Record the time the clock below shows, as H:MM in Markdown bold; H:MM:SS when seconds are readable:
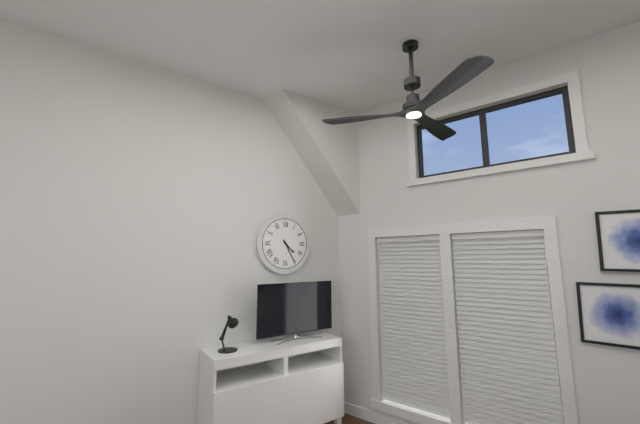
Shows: **4:25**
